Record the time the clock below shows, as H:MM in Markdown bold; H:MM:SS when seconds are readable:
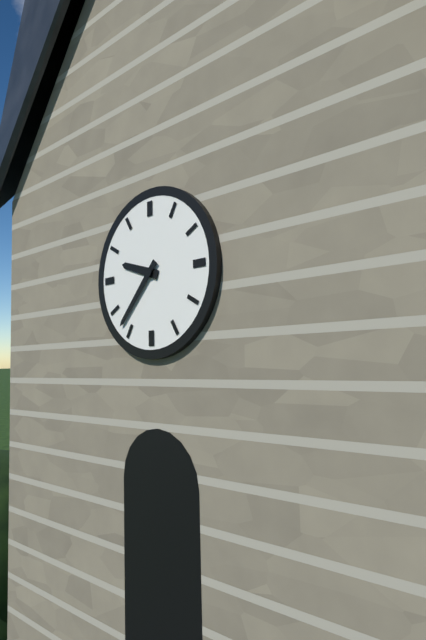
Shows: **9:37**
